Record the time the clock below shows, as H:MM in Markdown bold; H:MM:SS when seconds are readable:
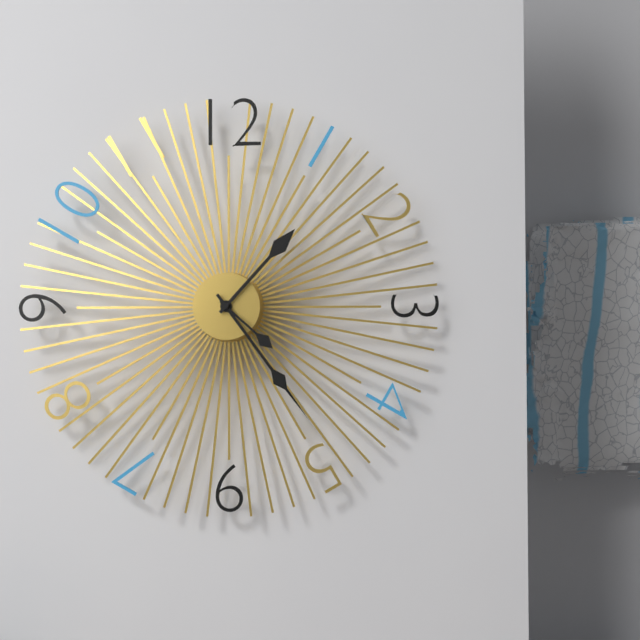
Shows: **1:24:22**
